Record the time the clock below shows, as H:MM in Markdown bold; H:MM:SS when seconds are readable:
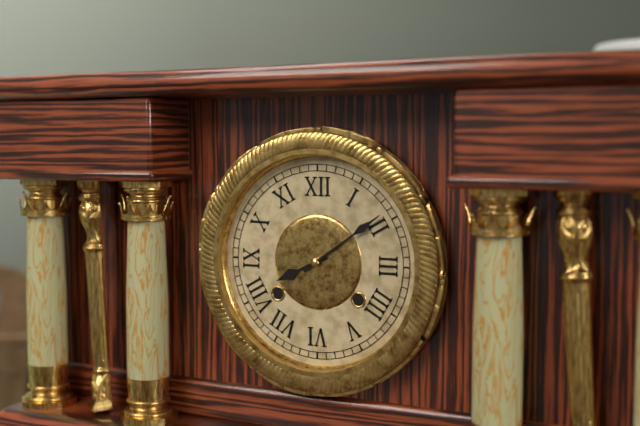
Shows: **8:09**
